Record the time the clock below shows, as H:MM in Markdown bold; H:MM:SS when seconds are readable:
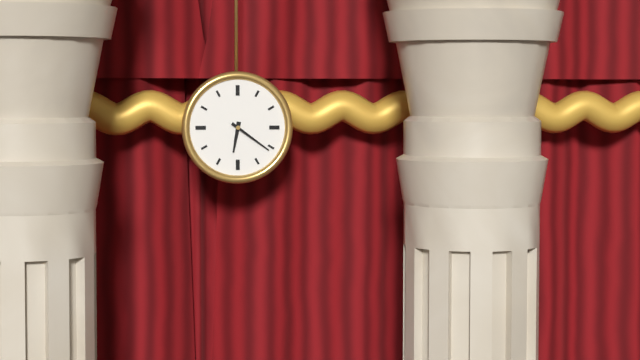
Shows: **6:21**
